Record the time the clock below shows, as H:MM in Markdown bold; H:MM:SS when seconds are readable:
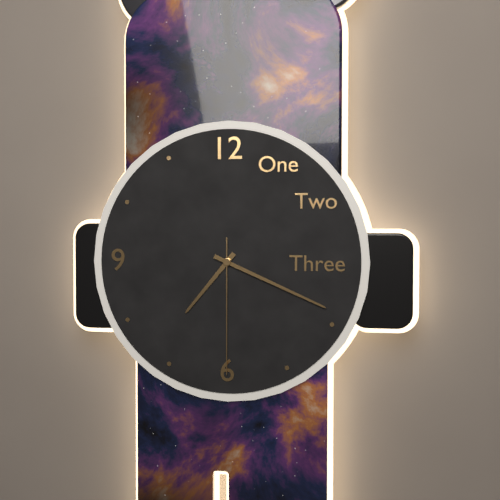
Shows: **7:19:30**
